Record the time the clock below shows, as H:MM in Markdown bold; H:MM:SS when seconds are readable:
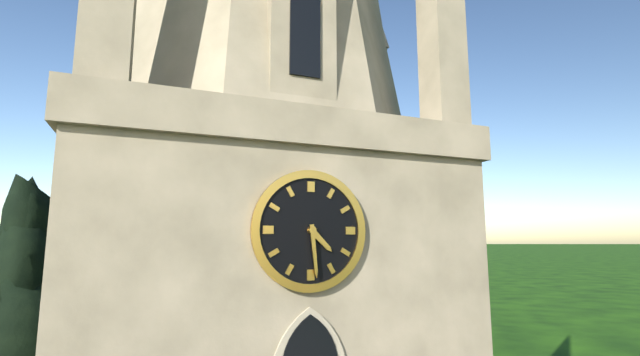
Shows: **4:29**
